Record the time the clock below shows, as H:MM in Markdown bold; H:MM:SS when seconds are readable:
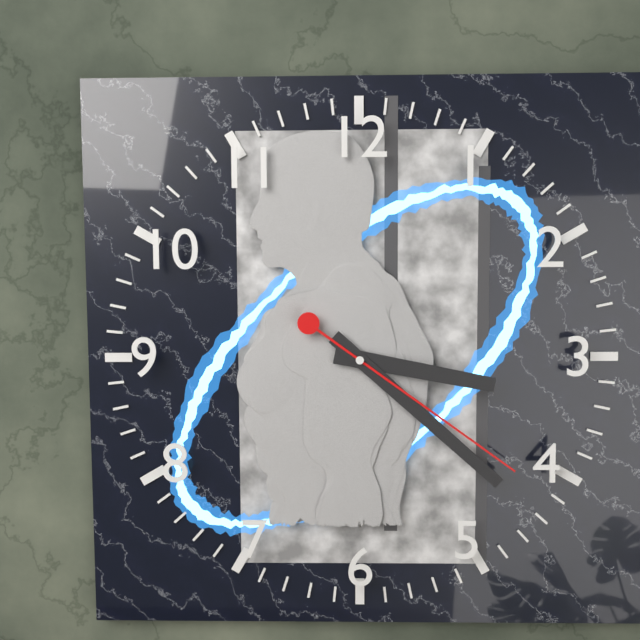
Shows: **3:22:21**
